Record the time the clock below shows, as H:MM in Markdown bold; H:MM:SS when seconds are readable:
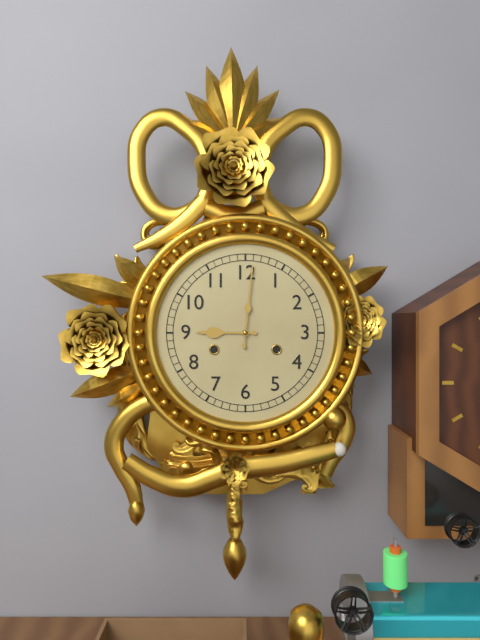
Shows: **9:01**
